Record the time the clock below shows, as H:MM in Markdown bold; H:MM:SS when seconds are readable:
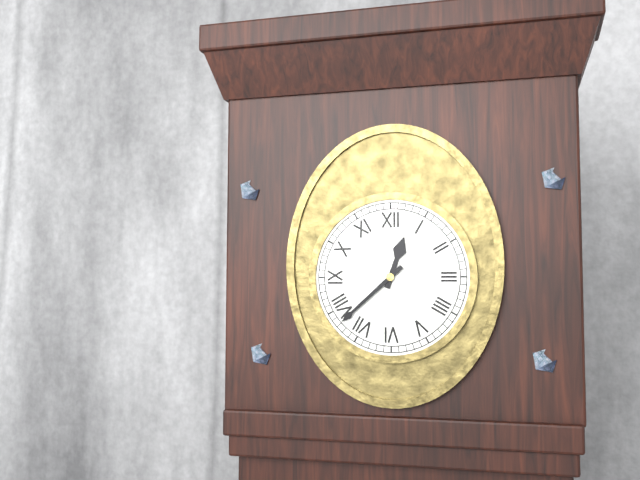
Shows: **12:38**
